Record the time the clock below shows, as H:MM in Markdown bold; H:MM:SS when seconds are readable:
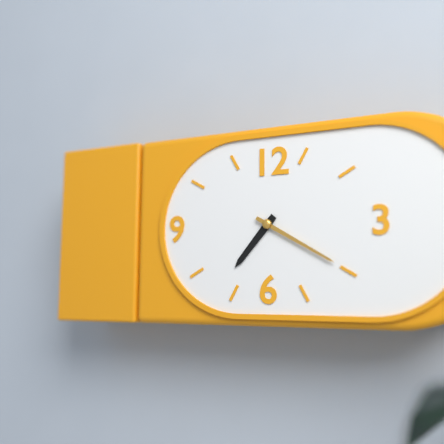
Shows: **7:20**
